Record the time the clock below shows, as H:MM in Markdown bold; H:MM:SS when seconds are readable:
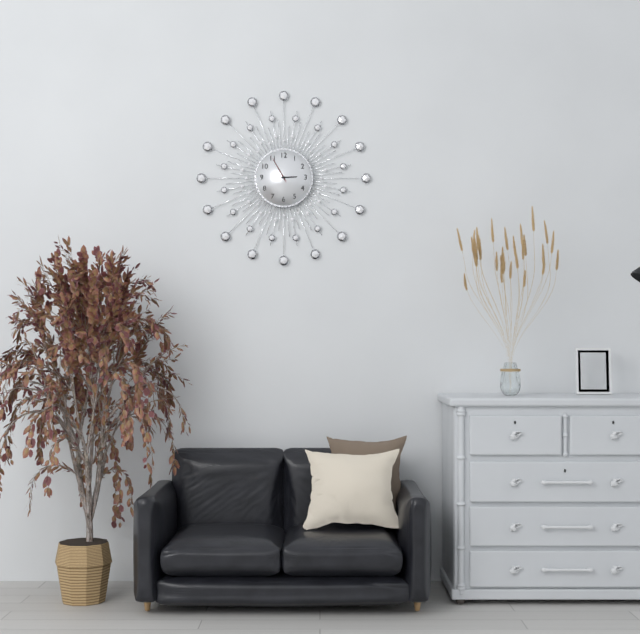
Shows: **2:55**
